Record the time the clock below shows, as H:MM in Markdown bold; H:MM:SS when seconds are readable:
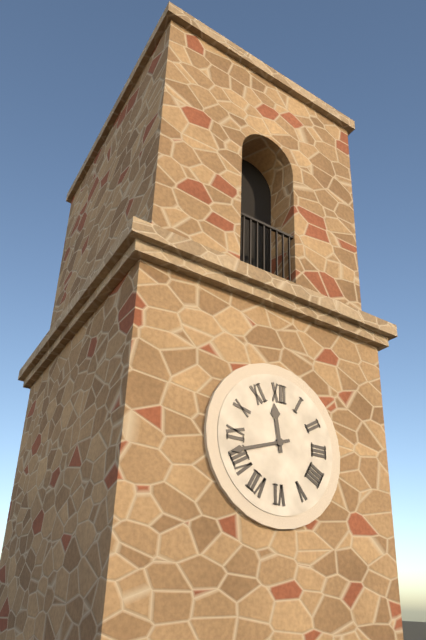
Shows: **11:42**
